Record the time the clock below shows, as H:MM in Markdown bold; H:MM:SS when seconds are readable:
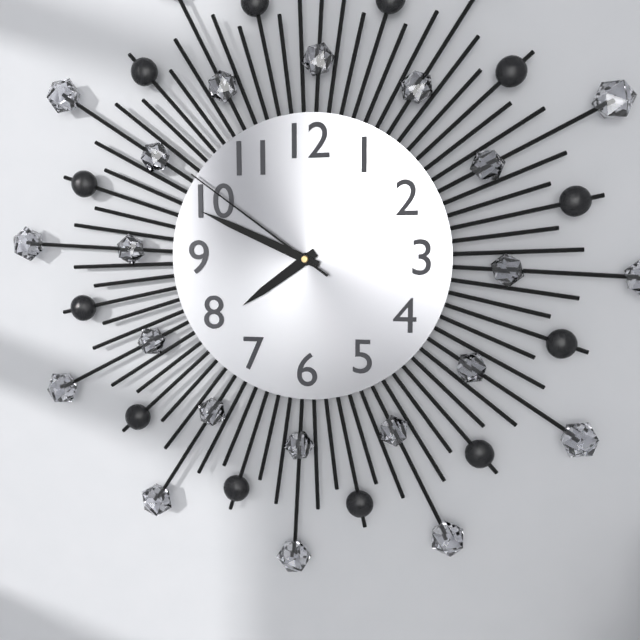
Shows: **7:49:51**
